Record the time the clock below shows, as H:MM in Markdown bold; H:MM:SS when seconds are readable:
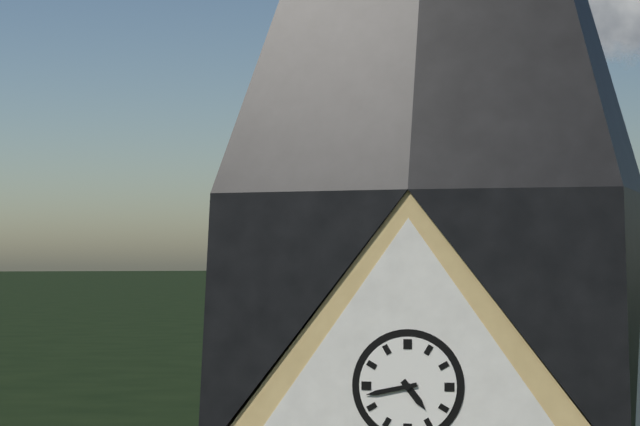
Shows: **4:43**
